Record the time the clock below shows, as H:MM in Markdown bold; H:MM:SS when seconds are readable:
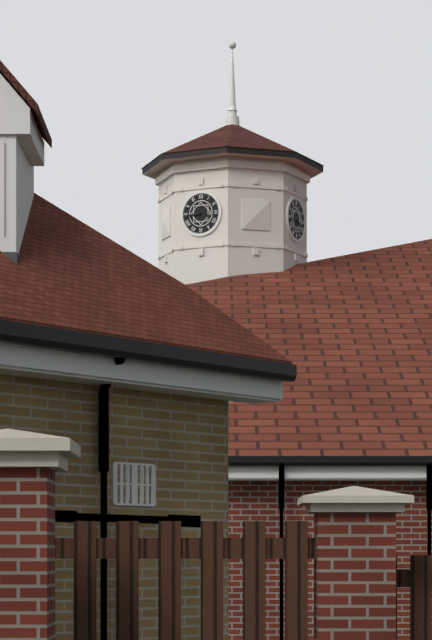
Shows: **3:44**
